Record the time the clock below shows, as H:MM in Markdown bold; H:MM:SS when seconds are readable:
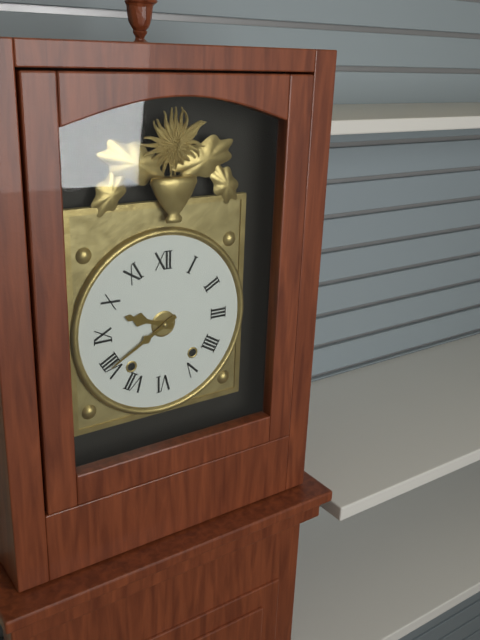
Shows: **9:40**
